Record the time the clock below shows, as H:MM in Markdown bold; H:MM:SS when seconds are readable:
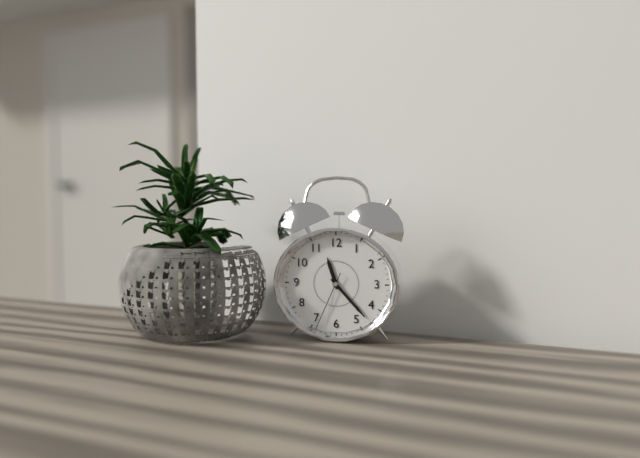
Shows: **11:23:34**
